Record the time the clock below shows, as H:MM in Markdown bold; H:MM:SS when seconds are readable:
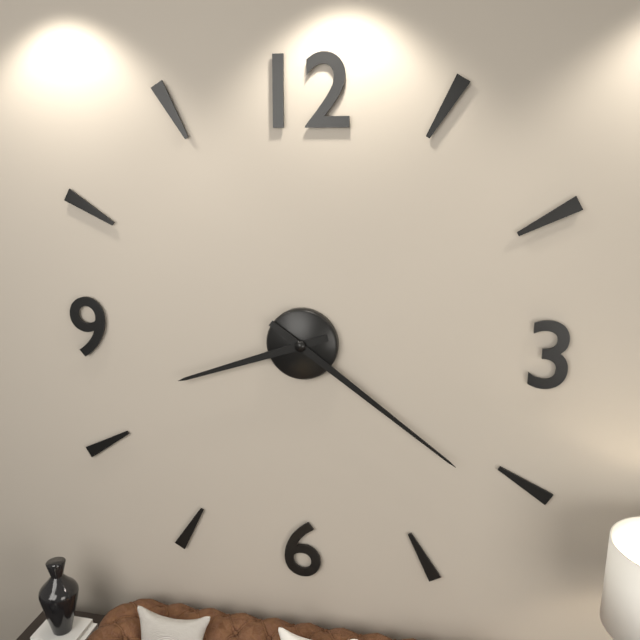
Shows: **8:21**
